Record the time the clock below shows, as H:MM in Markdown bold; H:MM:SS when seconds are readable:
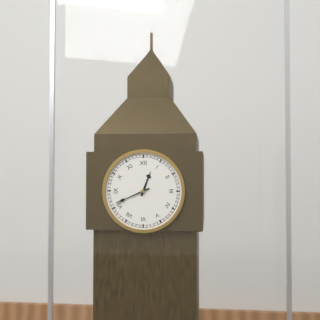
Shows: **12:41**
